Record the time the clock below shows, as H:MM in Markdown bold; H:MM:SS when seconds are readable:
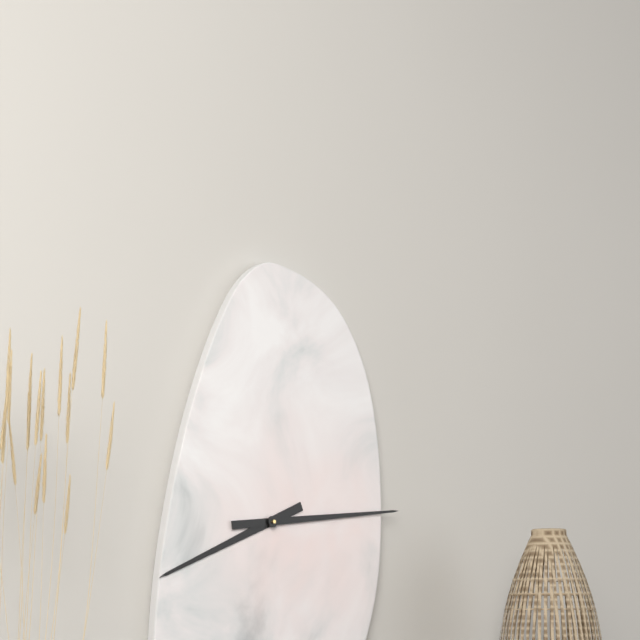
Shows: **8:14**
